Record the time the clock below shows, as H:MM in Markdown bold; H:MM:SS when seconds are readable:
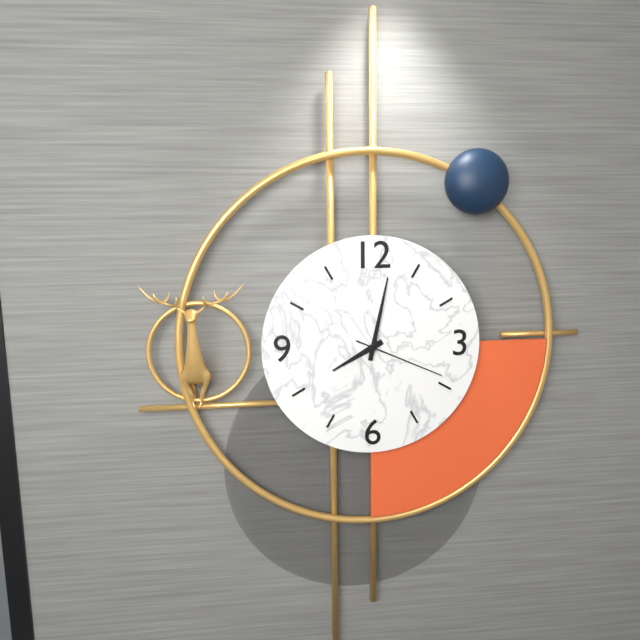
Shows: **8:02:19**
